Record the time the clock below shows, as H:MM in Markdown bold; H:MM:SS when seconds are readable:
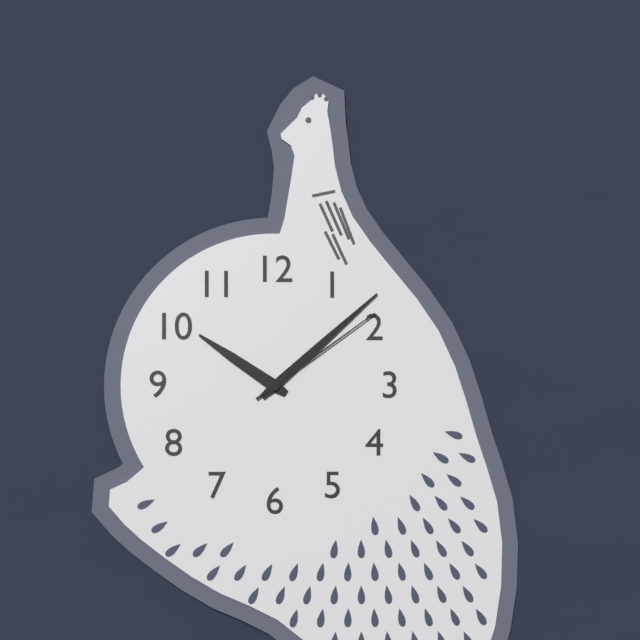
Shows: **10:08:09**
